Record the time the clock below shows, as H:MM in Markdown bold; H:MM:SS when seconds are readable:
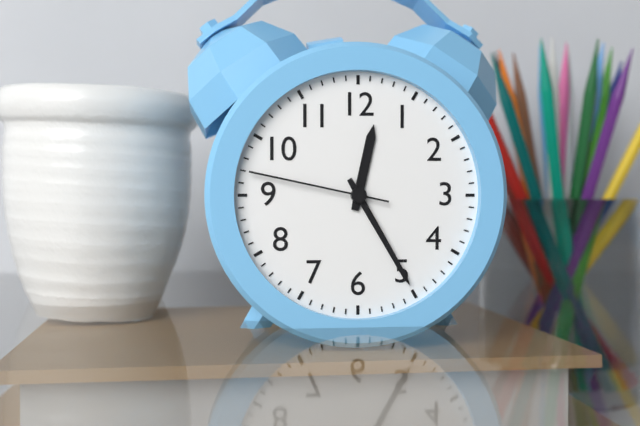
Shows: **12:25:47**
